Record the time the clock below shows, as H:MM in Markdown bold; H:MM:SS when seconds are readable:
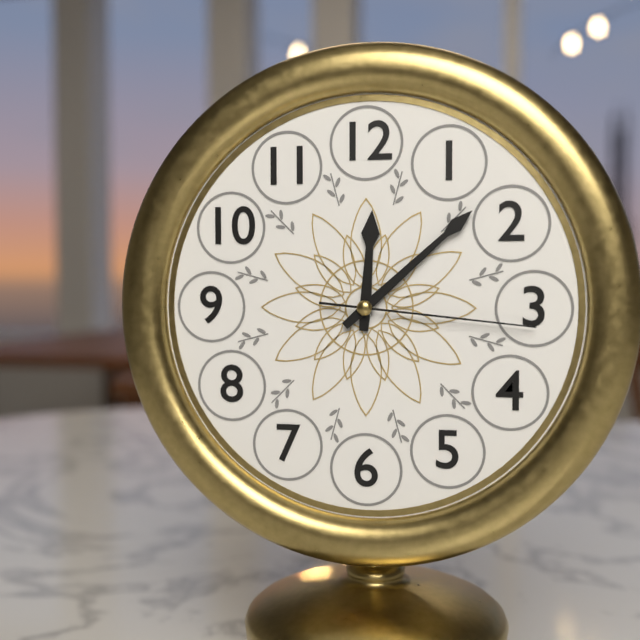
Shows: **12:08:16**
